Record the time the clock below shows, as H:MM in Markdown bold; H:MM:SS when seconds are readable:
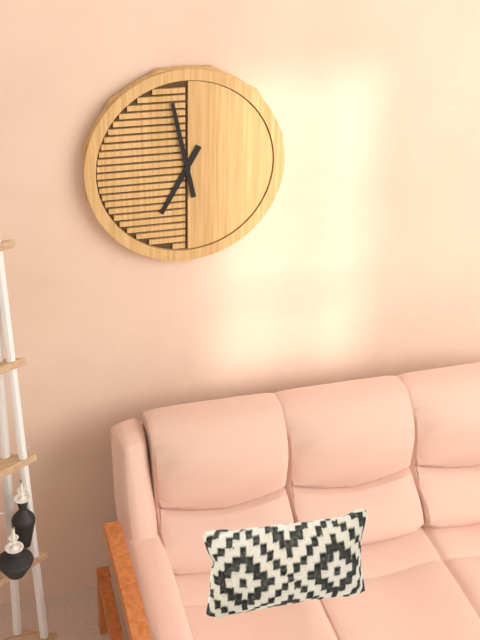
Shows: **6:58**
